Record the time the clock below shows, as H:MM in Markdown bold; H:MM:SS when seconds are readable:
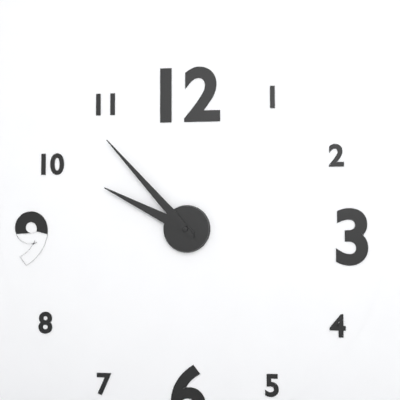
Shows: **9:53**
